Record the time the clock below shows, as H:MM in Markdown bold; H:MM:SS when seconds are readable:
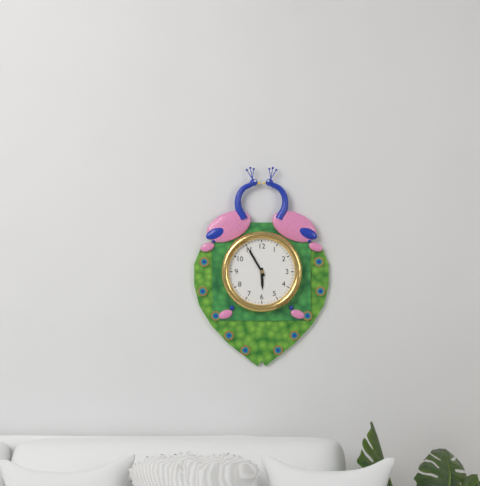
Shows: **5:55**
